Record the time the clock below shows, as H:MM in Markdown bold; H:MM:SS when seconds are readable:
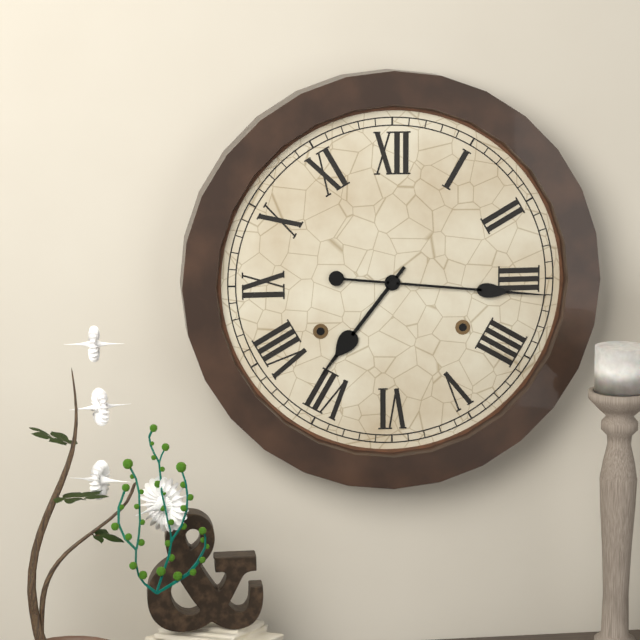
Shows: **7:16**
